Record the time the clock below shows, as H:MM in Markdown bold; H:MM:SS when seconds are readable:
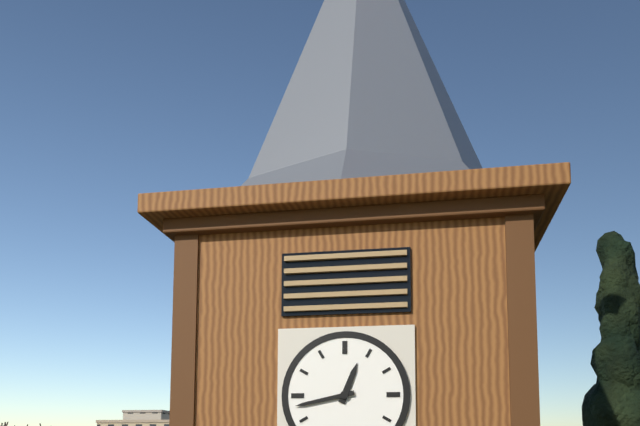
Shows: **12:43**
